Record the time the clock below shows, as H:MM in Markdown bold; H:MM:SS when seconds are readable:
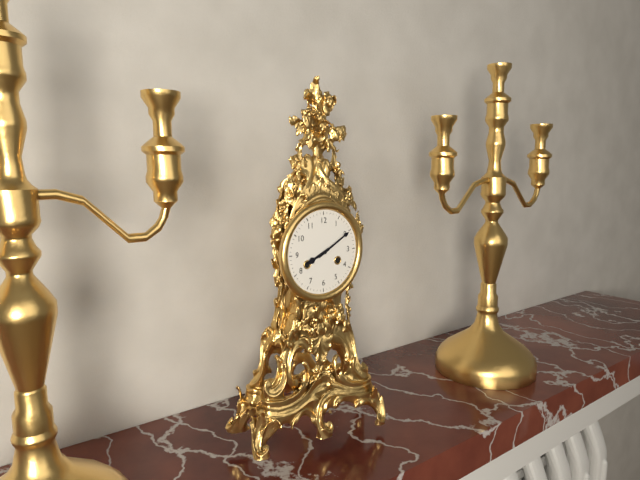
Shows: **8:10**
